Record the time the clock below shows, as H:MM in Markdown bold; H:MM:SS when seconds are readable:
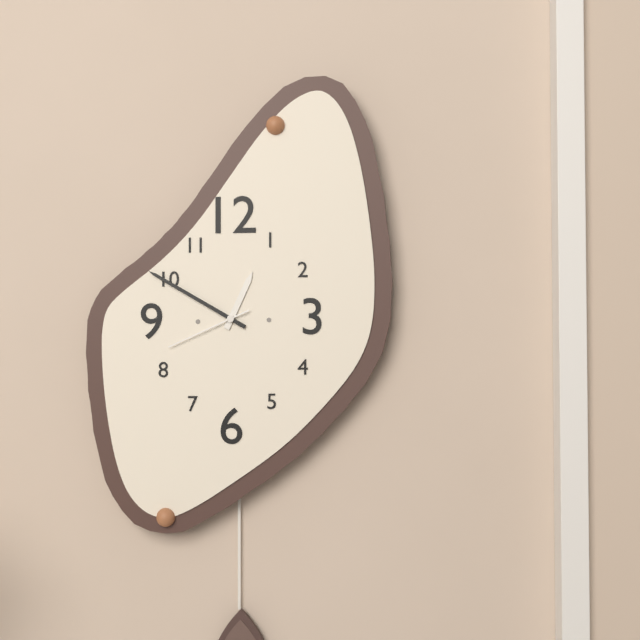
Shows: **12:50:41**
